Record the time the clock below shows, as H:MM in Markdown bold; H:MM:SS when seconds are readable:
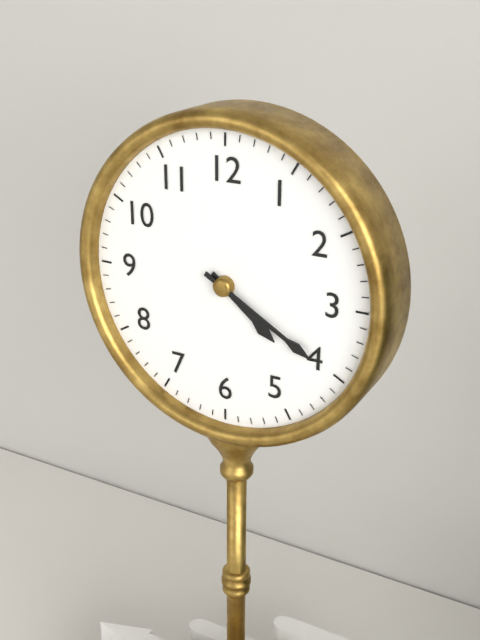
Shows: **4:20**
